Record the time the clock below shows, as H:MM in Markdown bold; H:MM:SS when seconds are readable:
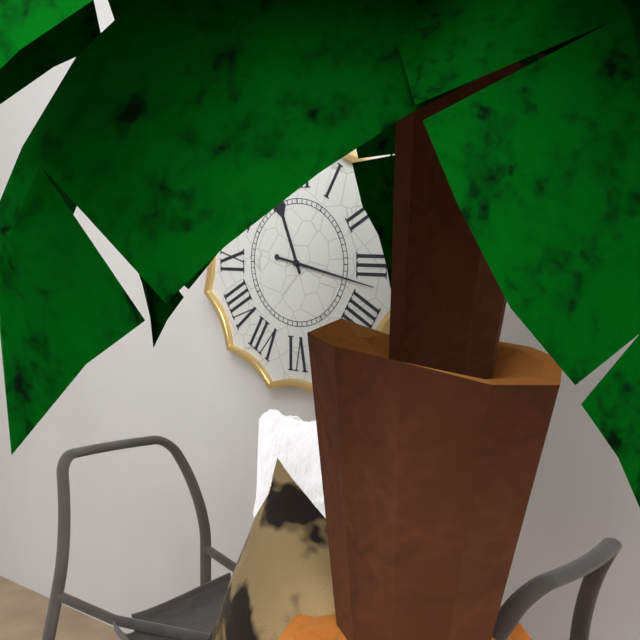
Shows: **11:17**
